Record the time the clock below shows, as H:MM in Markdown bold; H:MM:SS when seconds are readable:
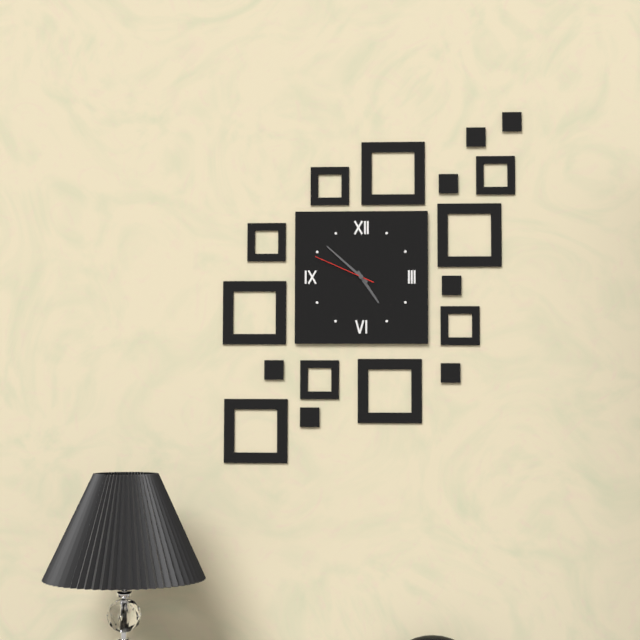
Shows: **4:52:49**
